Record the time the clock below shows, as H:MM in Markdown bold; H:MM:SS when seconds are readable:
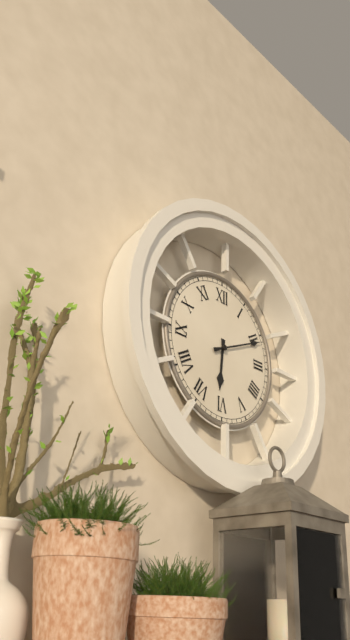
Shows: **6:11**
